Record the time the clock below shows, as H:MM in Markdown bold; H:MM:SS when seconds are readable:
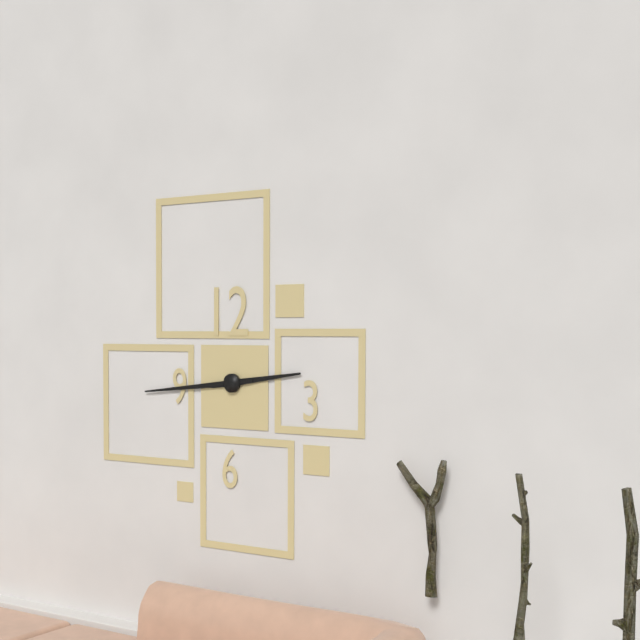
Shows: **2:44**
